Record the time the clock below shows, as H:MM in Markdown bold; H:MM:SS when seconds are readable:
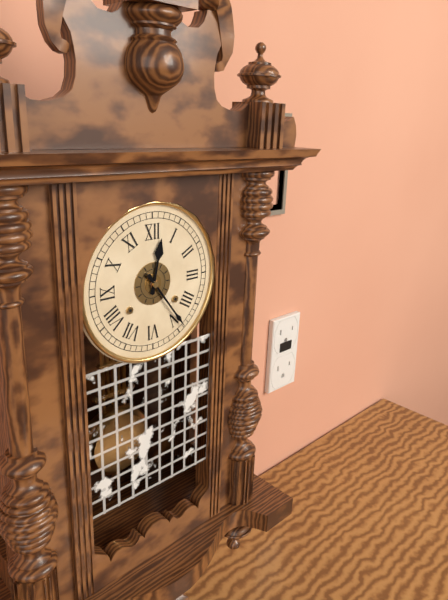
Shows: **12:24**
